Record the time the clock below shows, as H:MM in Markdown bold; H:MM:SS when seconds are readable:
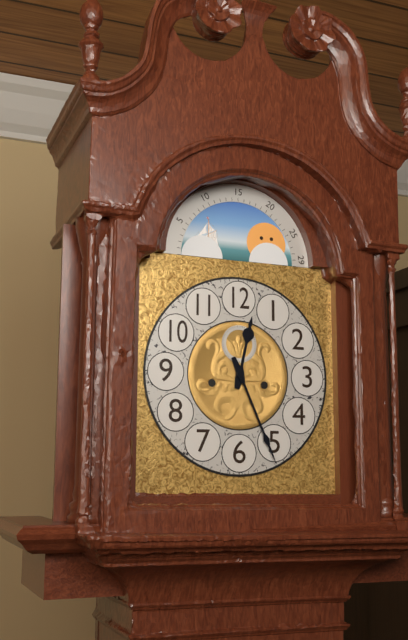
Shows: **12:26**
